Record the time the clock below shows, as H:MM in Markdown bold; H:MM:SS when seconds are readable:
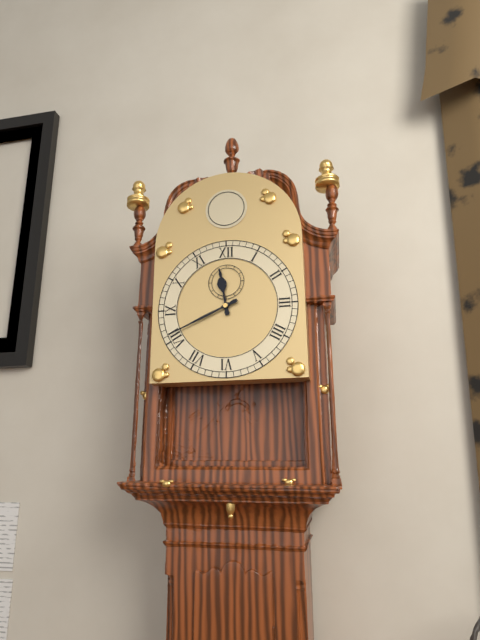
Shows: **11:41**
